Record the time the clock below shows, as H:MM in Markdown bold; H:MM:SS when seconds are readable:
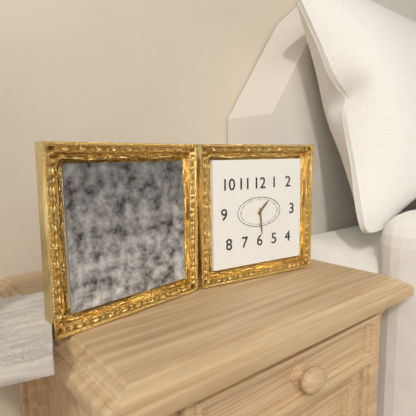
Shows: **1:29**
